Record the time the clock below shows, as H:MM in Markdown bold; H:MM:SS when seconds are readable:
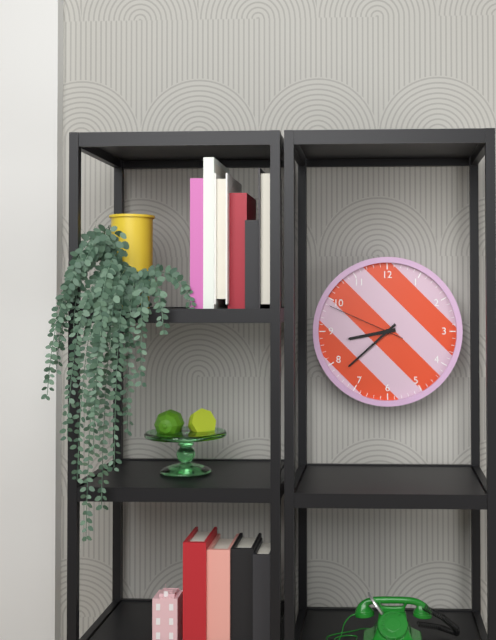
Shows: **8:38:49**
